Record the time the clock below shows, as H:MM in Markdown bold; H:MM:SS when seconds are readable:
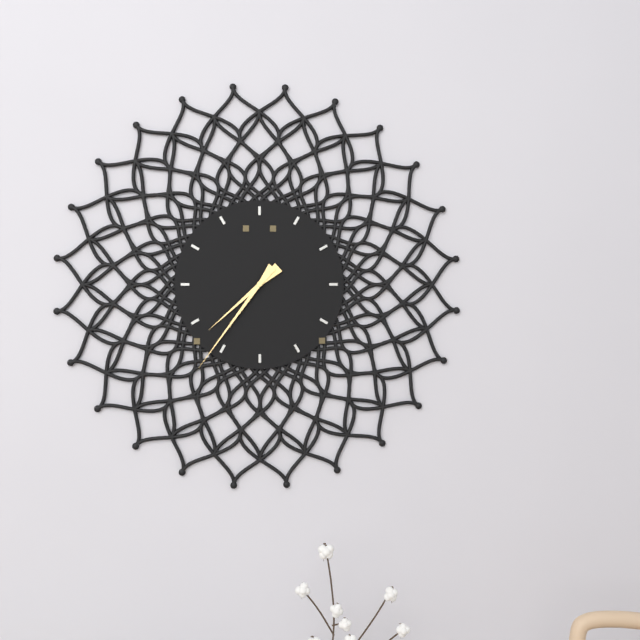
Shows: **7:36**
